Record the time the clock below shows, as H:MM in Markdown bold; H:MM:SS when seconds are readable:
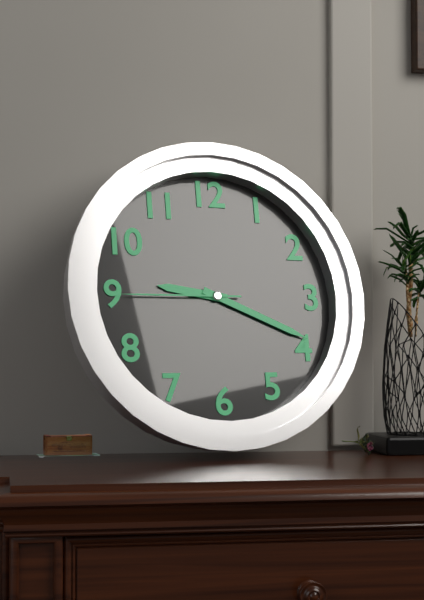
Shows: **9:19:45**
